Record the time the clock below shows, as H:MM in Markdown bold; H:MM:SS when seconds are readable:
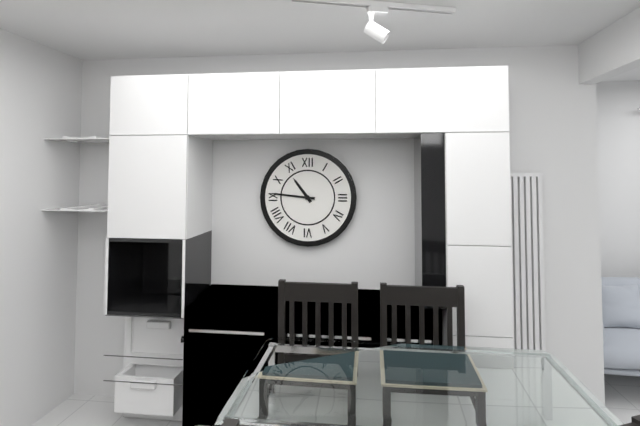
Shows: **10:46**
